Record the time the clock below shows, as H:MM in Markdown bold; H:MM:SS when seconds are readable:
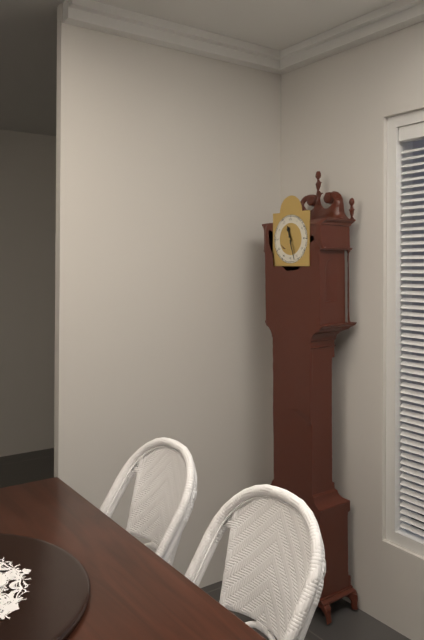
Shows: **11:27**
